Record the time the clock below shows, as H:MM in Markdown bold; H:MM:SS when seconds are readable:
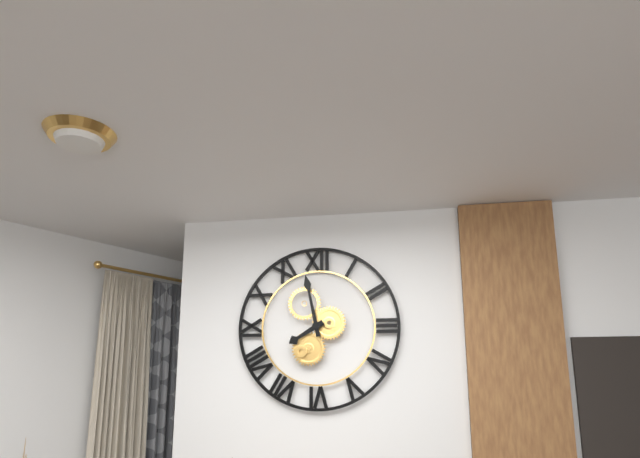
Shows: **7:58**
